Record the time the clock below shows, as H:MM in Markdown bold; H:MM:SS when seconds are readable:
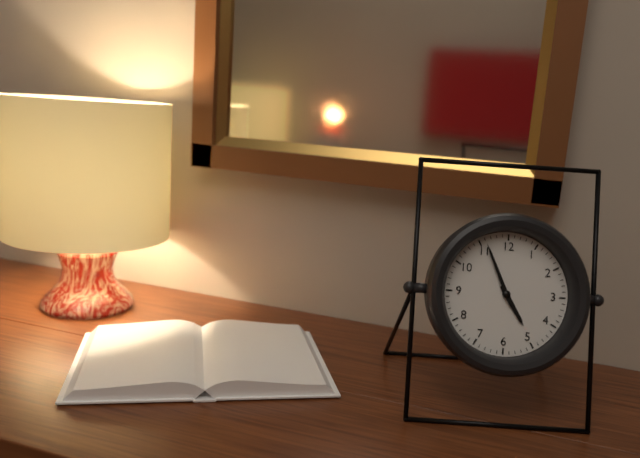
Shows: **4:56**
